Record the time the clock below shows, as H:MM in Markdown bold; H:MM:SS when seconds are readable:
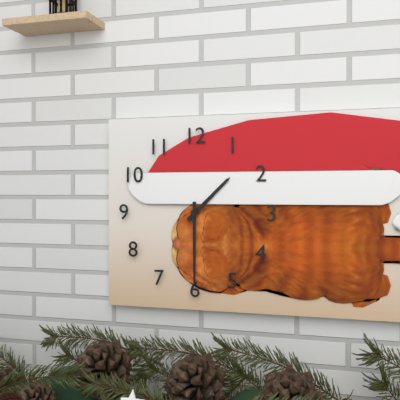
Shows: **1:30**
